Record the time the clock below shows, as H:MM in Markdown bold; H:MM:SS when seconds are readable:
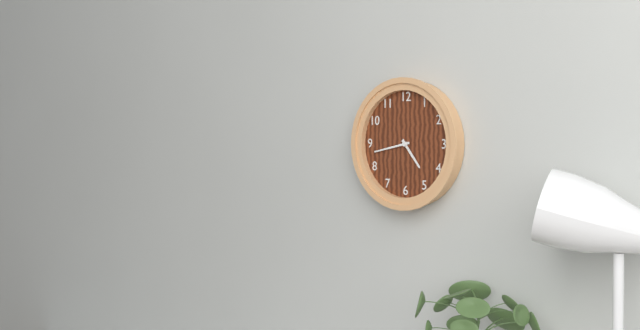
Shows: **4:43**
